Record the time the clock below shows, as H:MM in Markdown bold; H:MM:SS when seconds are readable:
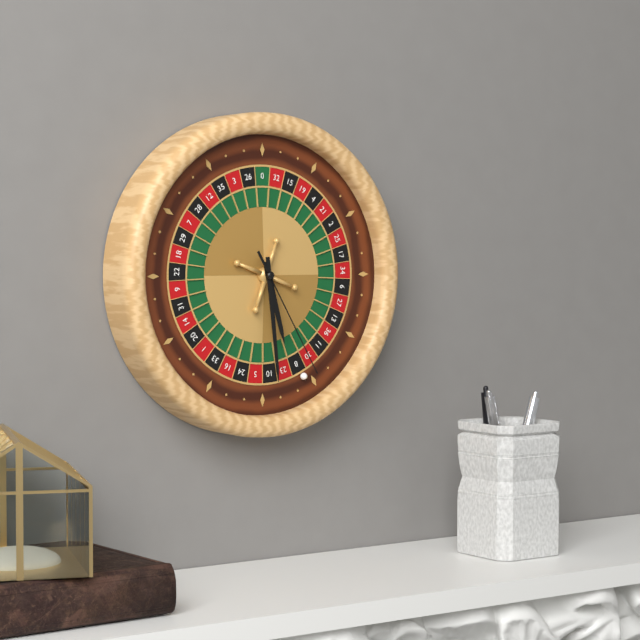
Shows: **5:29:25**
